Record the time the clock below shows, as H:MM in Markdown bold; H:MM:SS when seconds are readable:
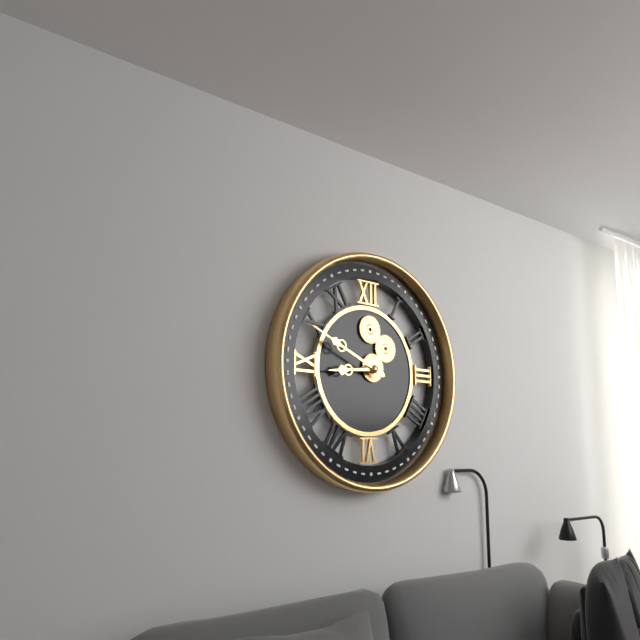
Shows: **8:49**
